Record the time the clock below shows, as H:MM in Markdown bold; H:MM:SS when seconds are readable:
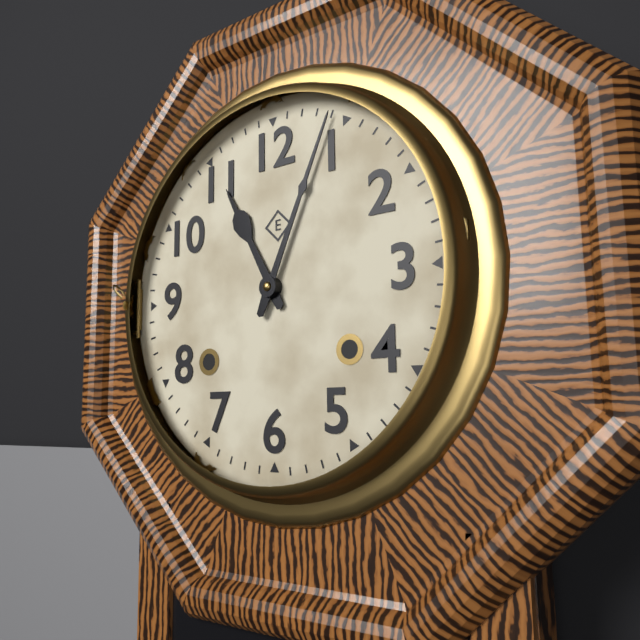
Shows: **11:04**
